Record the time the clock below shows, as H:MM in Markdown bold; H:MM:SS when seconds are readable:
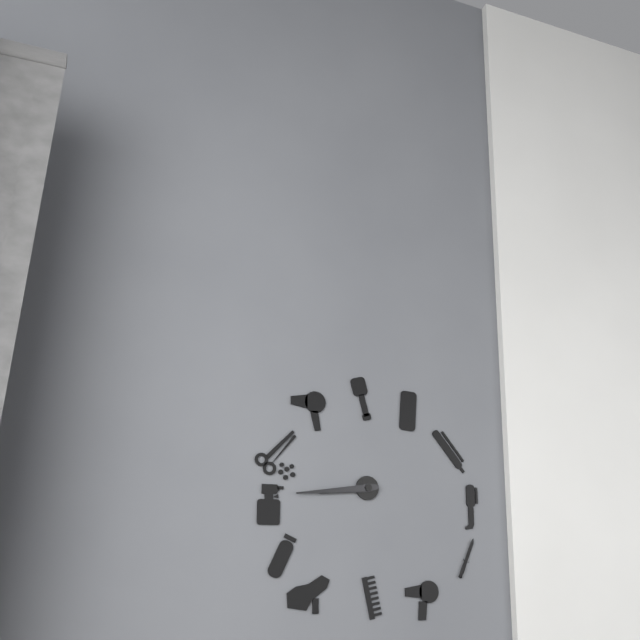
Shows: **8:44**
